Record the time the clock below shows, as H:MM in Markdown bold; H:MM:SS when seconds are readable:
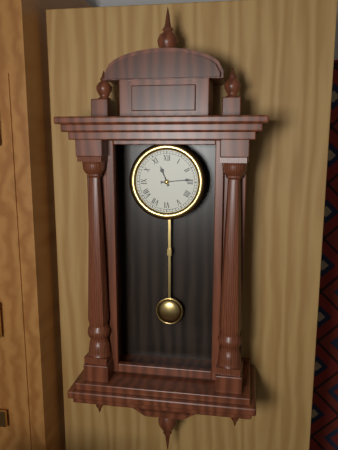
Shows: **11:14**
